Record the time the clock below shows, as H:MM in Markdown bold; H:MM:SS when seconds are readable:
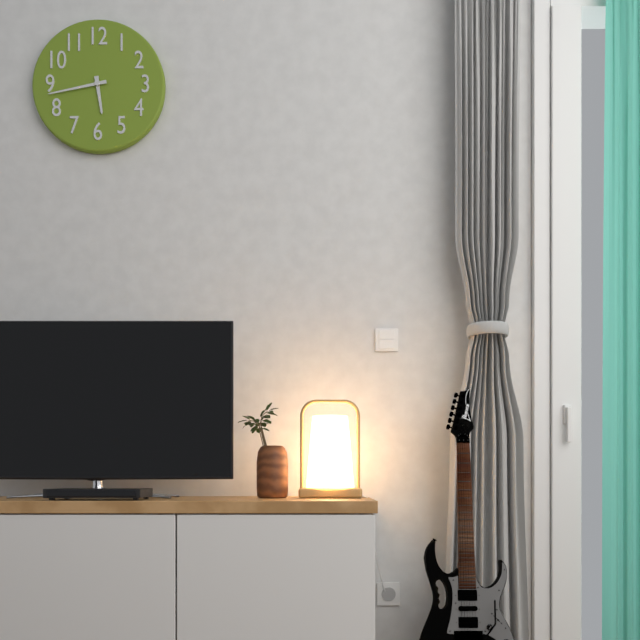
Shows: **5:43**
